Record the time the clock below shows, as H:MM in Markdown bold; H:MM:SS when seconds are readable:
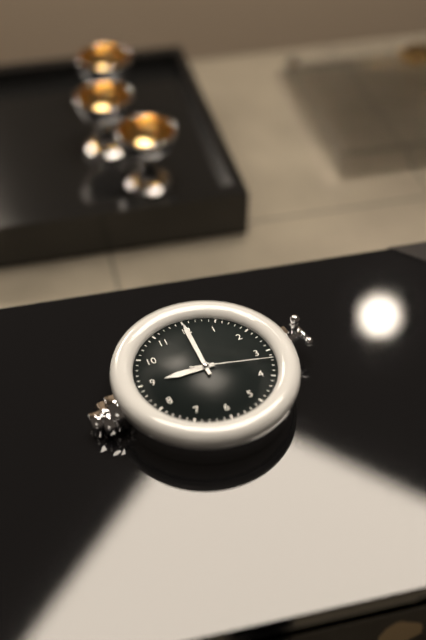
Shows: **9:00:17**
